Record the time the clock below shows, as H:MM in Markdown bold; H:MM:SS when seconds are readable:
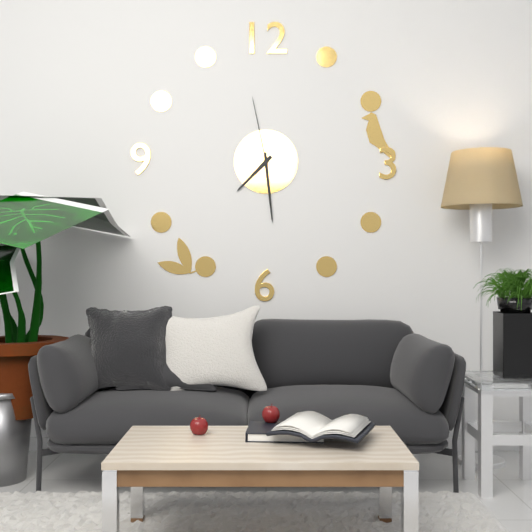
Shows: **7:29:58**
